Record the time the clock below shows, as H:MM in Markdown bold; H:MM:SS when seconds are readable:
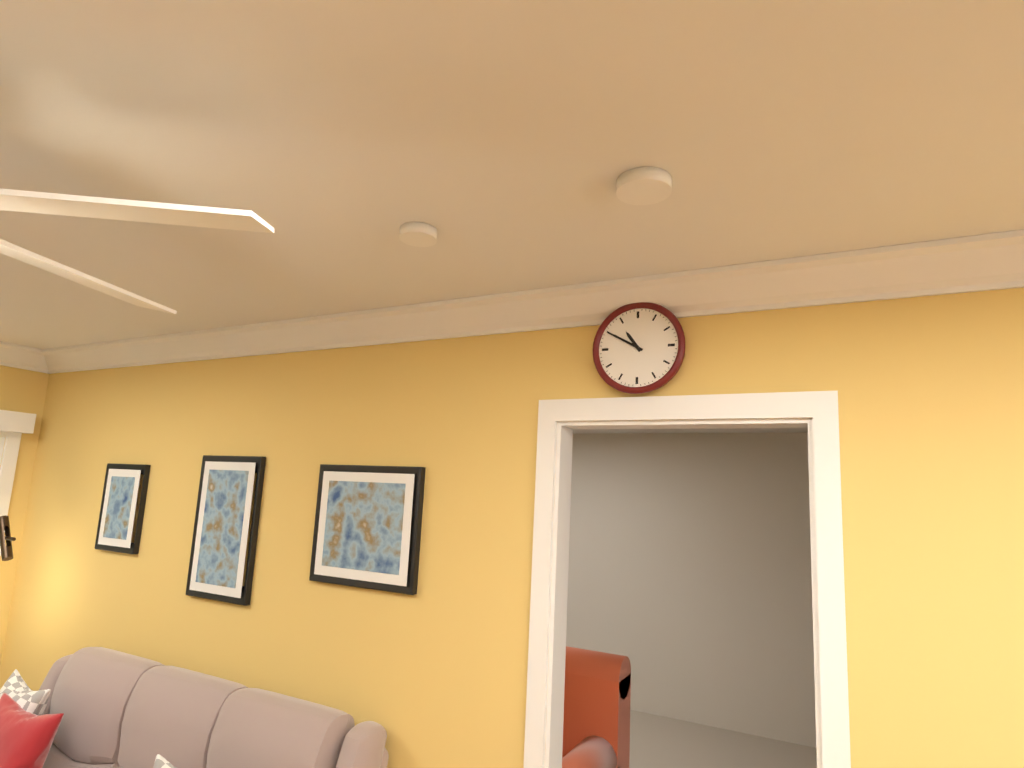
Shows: **10:50**
